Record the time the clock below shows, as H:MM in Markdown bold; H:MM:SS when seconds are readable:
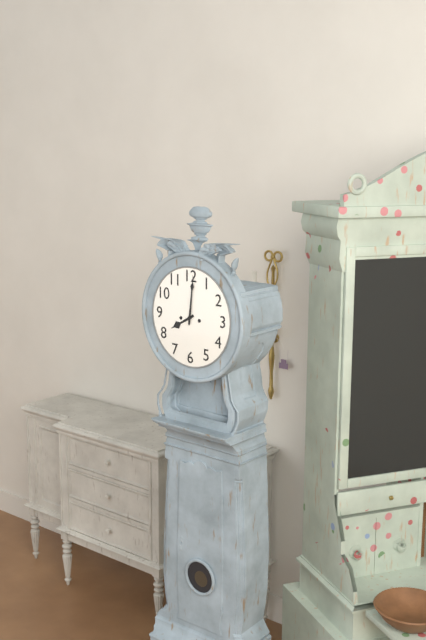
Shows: **8:01**
